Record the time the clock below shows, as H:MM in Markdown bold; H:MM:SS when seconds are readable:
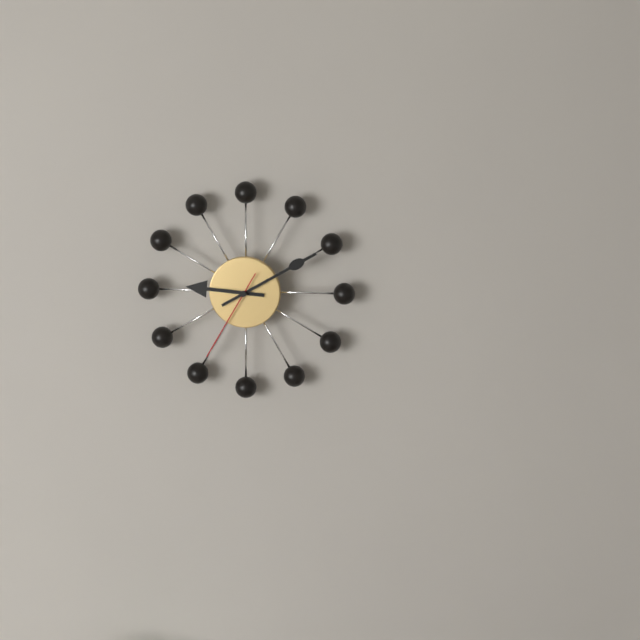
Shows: **9:10:35**
